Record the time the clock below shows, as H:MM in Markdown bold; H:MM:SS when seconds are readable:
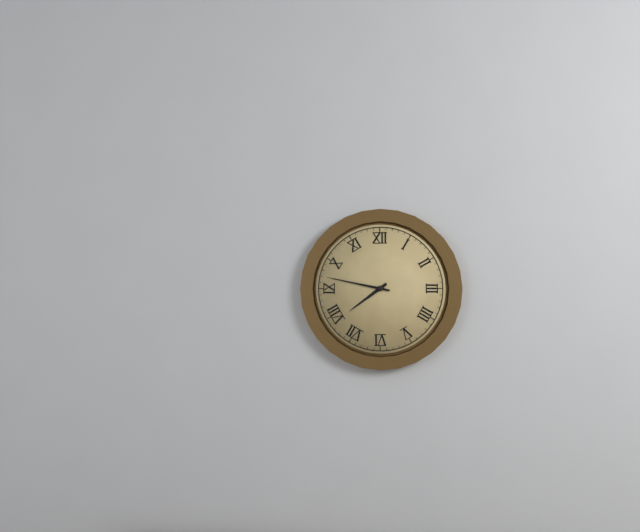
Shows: **7:47**
